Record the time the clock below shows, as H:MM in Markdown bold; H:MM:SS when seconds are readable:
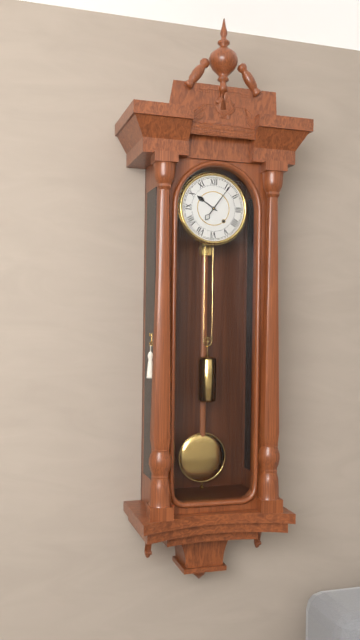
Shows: **10:06**
